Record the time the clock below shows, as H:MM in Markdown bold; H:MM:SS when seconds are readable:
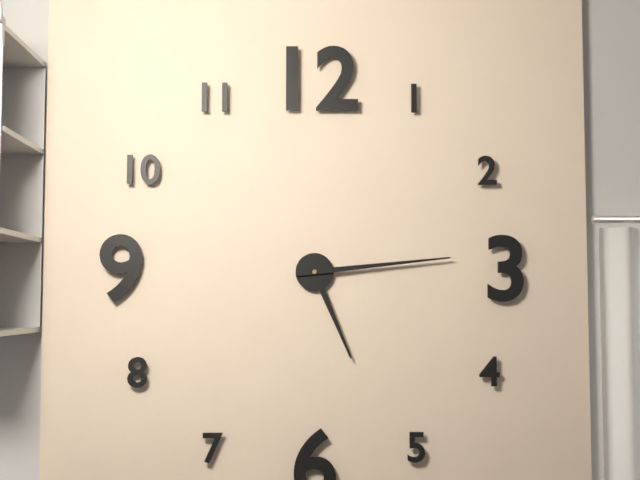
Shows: **5:14**
